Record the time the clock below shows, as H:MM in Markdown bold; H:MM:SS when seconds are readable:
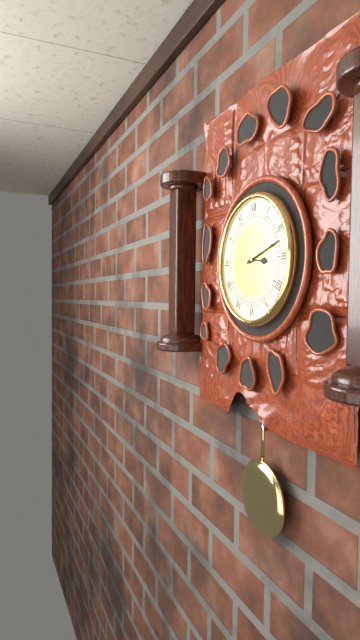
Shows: **3:12**
